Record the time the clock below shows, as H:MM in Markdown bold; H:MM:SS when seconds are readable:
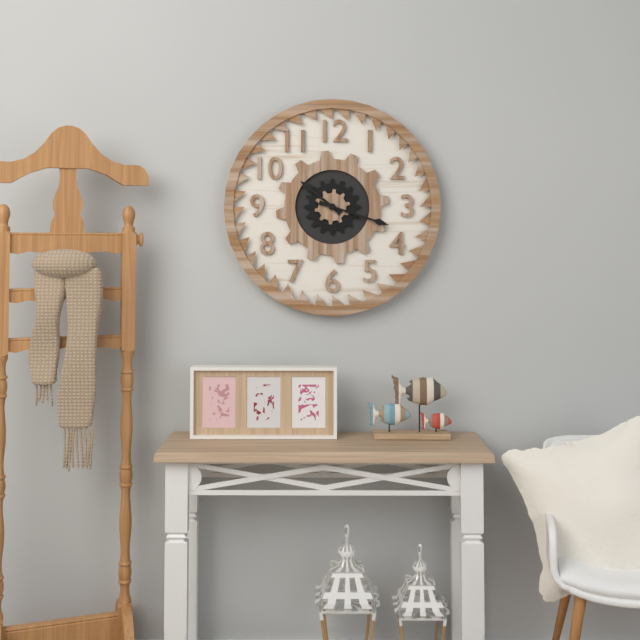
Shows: **10:18**
